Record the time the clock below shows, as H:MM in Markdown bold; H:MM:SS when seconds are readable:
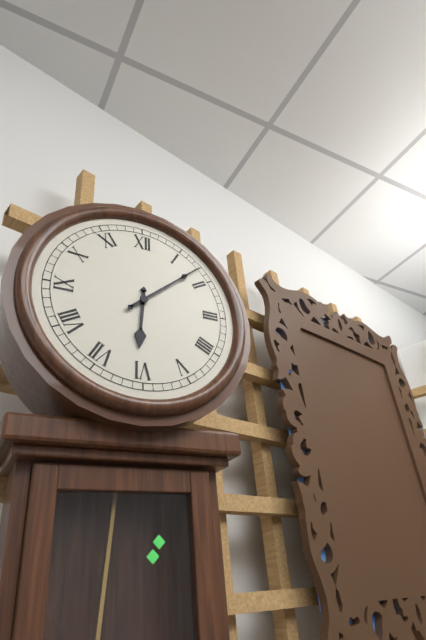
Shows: **6:08**
